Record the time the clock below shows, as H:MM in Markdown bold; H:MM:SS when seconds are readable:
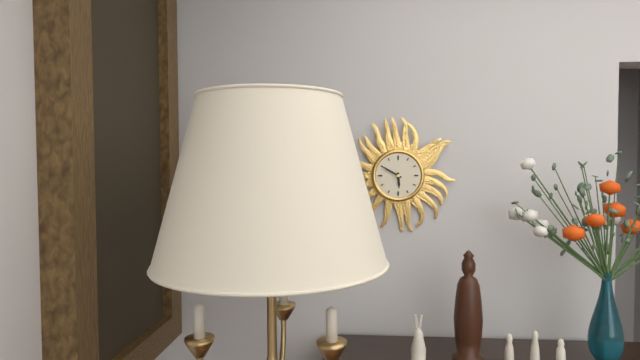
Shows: **5:50**
